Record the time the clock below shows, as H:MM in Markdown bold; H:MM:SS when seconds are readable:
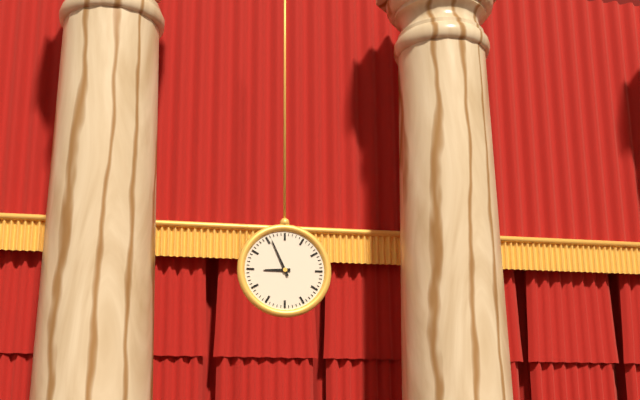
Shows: **8:56**
